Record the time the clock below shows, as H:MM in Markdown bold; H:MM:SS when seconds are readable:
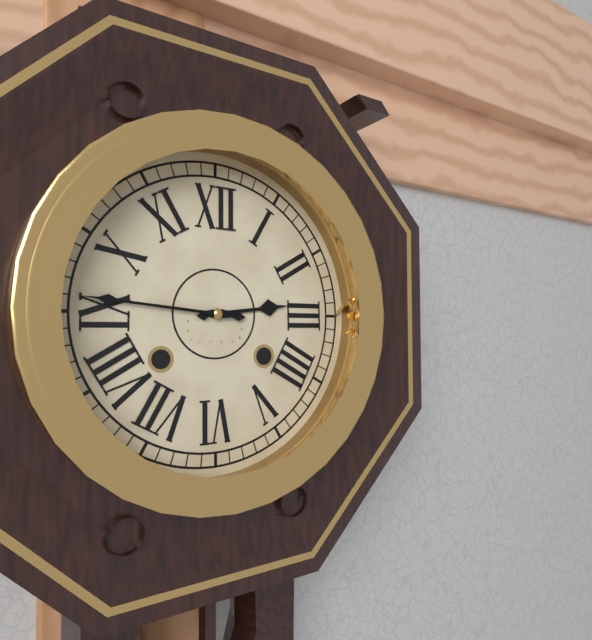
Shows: **2:46**
